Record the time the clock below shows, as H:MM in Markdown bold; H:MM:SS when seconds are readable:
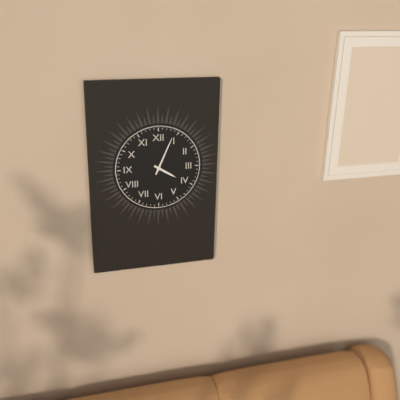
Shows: **4:04**
